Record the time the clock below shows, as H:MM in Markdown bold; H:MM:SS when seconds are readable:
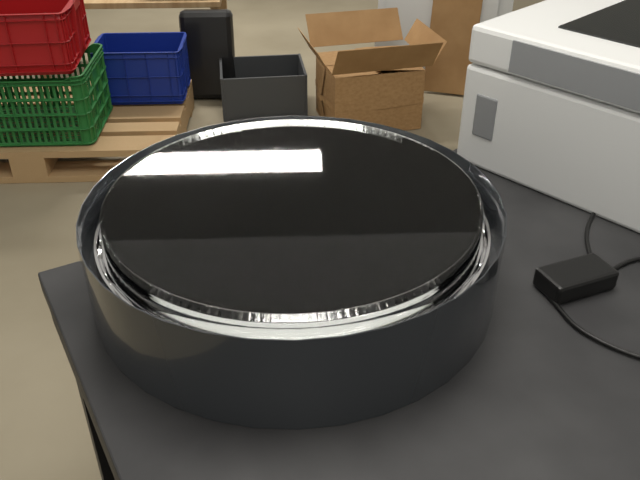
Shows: **11:24**
